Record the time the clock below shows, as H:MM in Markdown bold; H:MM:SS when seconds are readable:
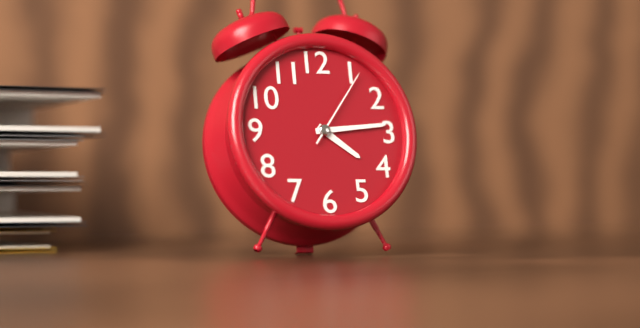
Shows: **4:14:06**
